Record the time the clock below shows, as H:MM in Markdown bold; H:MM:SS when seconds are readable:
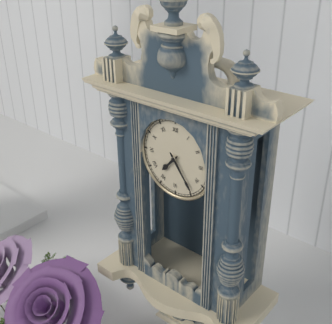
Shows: **7:24**
